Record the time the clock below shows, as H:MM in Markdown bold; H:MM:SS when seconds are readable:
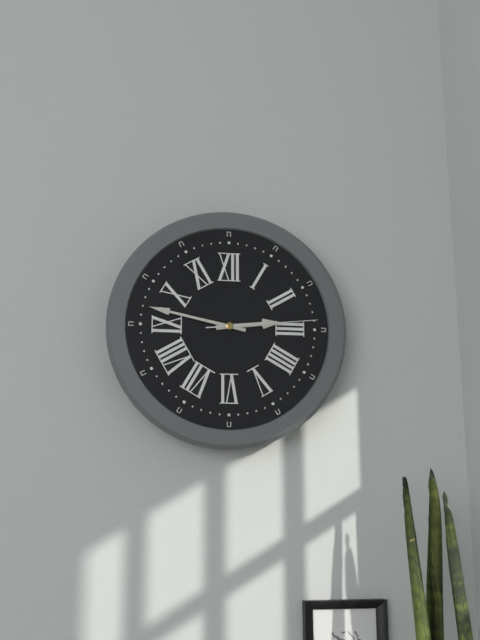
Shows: **2:47:14**
